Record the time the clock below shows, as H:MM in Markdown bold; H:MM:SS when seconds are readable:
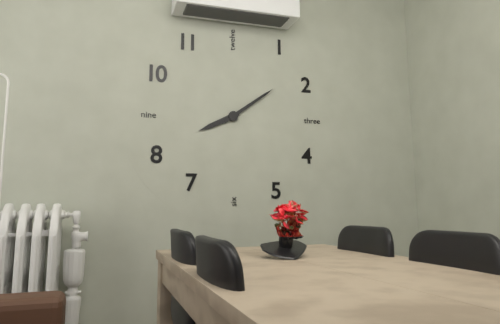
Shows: **8:09**
